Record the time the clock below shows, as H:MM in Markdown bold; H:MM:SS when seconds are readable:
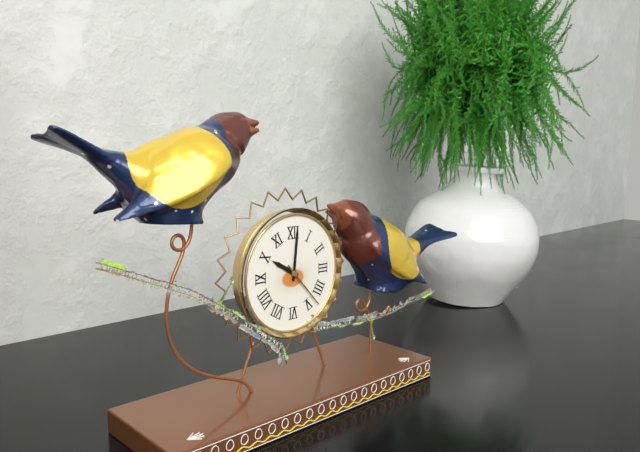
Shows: **10:01:23**
